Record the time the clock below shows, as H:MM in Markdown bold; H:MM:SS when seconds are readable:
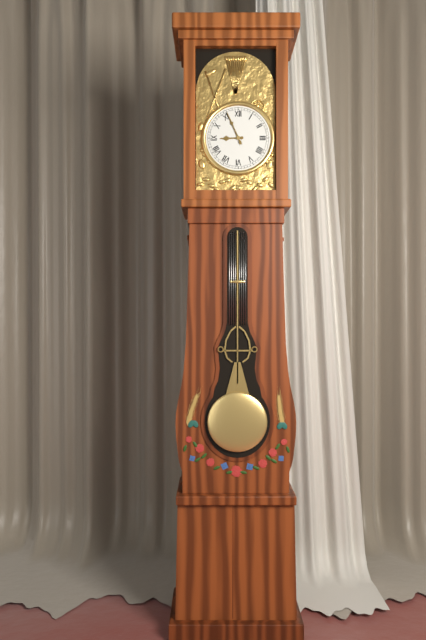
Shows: **8:56**
